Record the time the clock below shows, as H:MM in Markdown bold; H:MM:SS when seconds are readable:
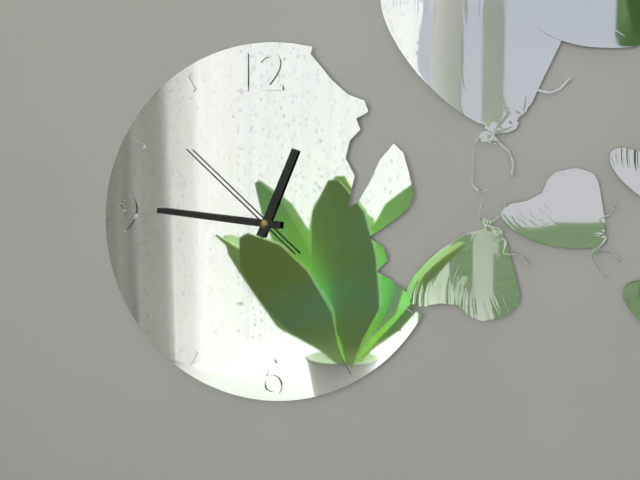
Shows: **12:46:52**
